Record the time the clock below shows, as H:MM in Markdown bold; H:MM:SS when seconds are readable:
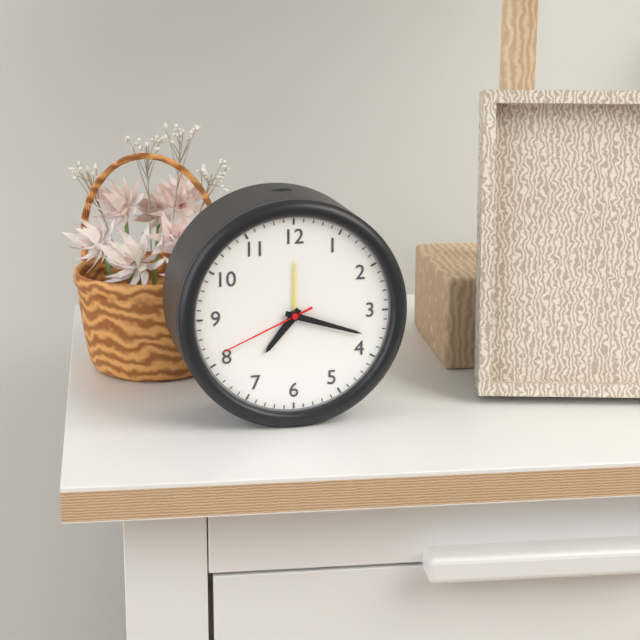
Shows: **7:18:41**
